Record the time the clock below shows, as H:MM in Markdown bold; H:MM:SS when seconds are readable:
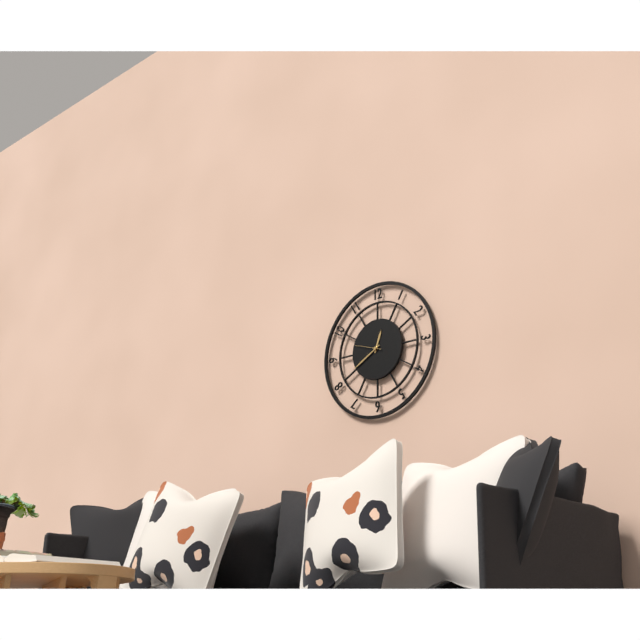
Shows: **12:40**
